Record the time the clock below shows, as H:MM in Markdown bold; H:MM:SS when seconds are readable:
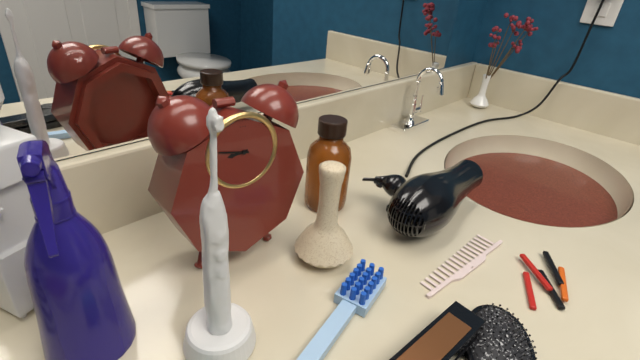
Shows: **8:47**
